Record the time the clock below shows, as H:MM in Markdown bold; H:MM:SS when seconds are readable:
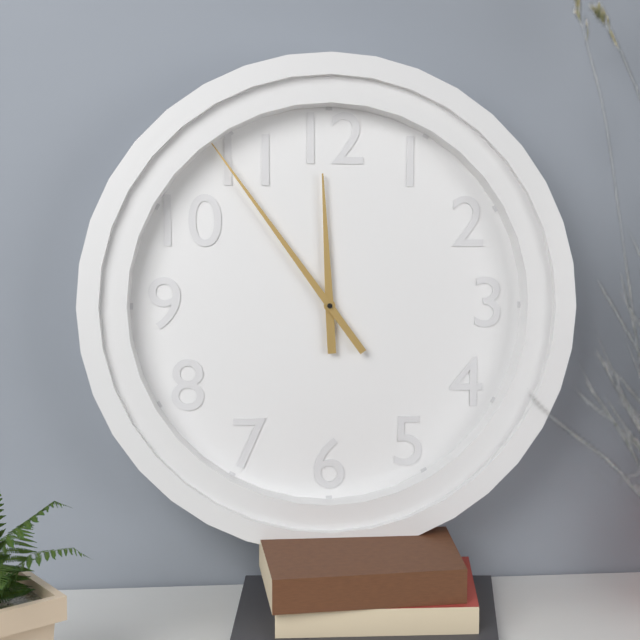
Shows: **11:54**
